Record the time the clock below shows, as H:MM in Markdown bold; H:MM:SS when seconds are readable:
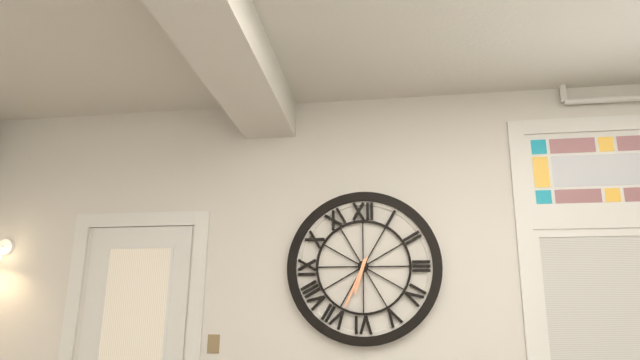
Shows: **6:34**
